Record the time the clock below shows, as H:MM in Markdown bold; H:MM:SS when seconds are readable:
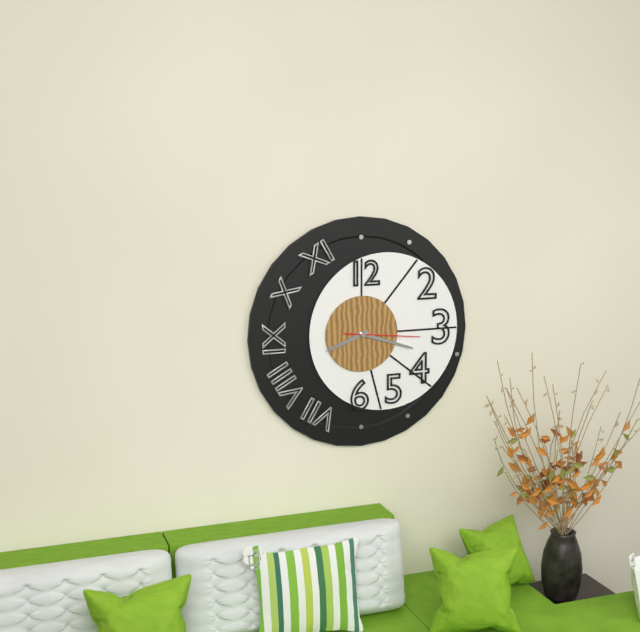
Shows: **8:18:16**
